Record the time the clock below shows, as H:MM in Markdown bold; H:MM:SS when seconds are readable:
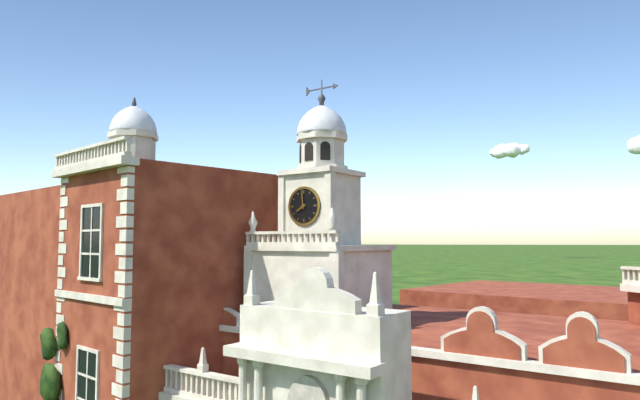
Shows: **7:59**
